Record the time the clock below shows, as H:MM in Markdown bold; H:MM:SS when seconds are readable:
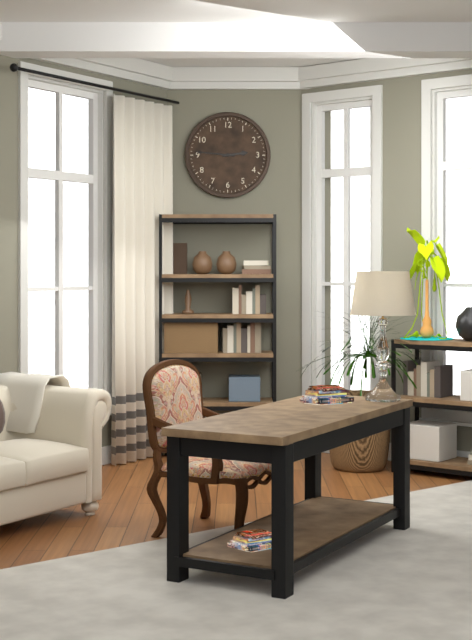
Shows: **2:46**
